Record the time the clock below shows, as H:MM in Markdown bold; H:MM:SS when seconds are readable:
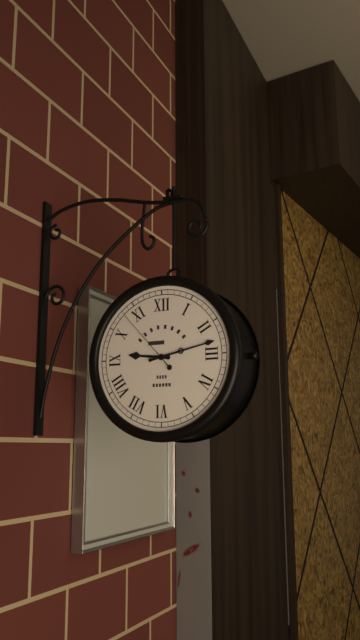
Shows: **9:13:53**
